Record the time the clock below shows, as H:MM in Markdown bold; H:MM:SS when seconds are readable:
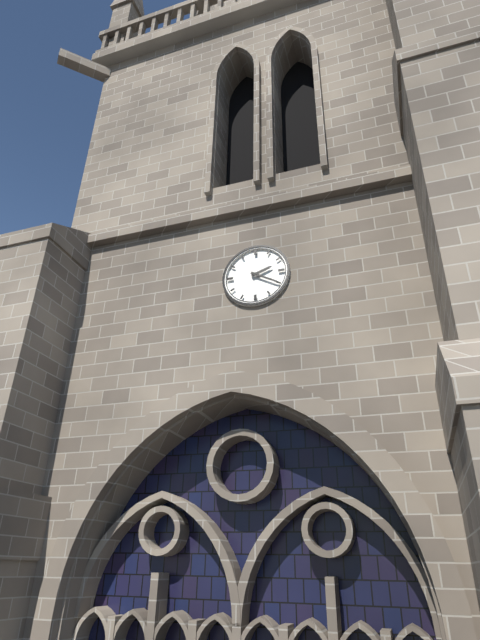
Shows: **2:20**
